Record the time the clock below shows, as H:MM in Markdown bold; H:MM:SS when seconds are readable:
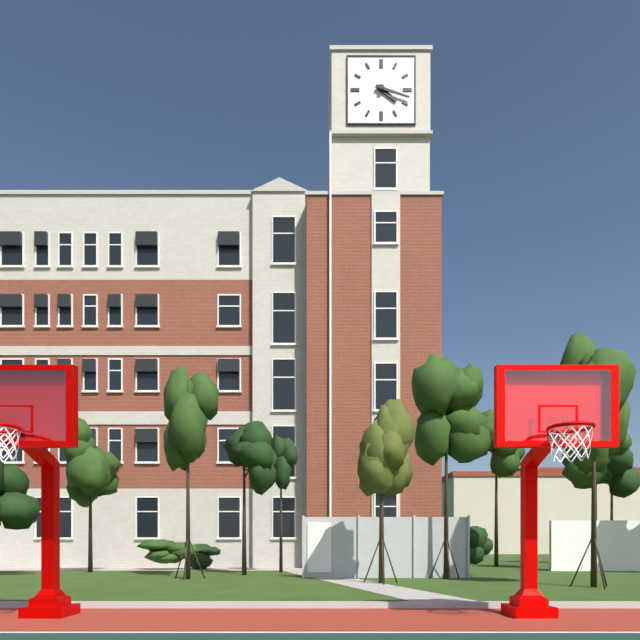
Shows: **4:18**
